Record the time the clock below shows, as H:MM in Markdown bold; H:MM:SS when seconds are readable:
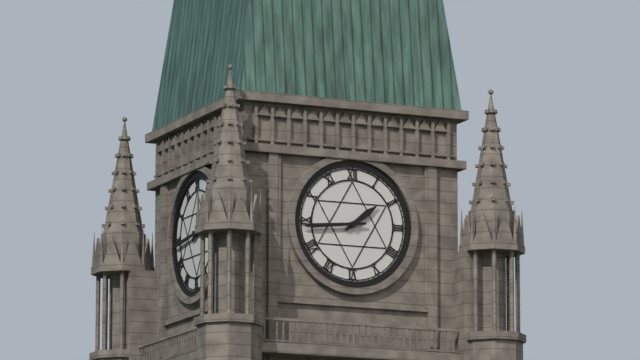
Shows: **1:44**
